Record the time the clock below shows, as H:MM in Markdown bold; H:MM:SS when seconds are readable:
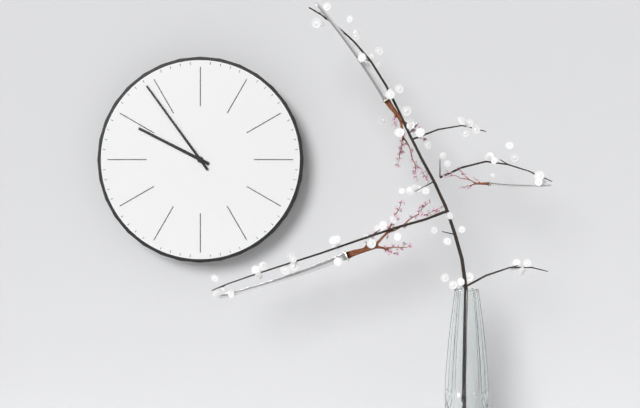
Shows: **9:54**
